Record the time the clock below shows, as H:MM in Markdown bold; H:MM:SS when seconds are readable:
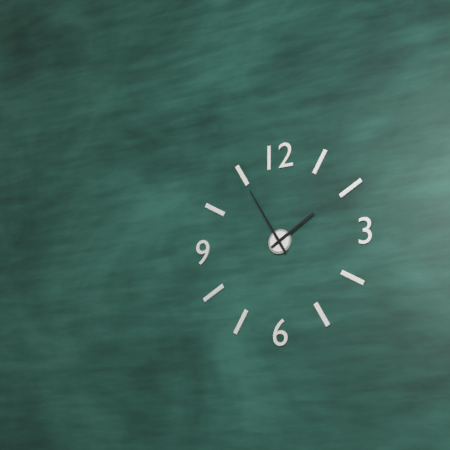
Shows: **1:55**
